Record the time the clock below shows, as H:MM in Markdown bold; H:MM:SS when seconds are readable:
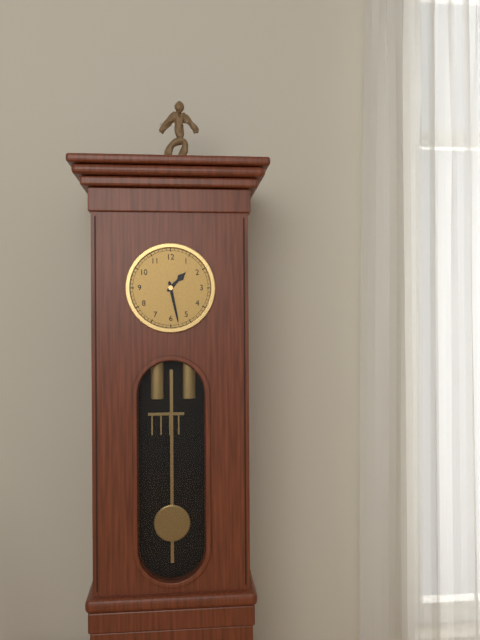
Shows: **1:28**
